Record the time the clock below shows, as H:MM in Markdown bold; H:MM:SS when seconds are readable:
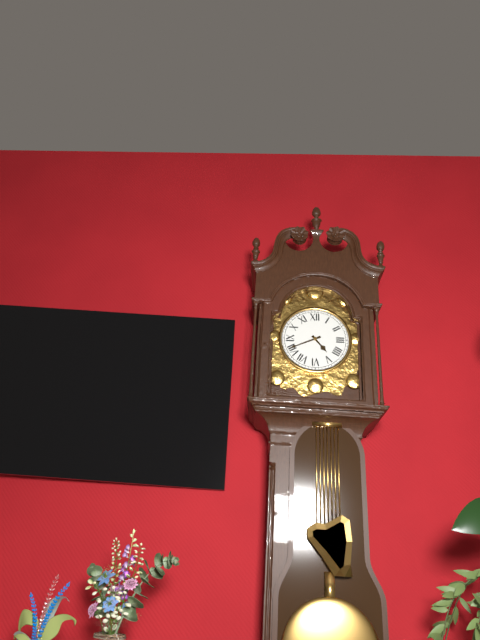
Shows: **4:41**
